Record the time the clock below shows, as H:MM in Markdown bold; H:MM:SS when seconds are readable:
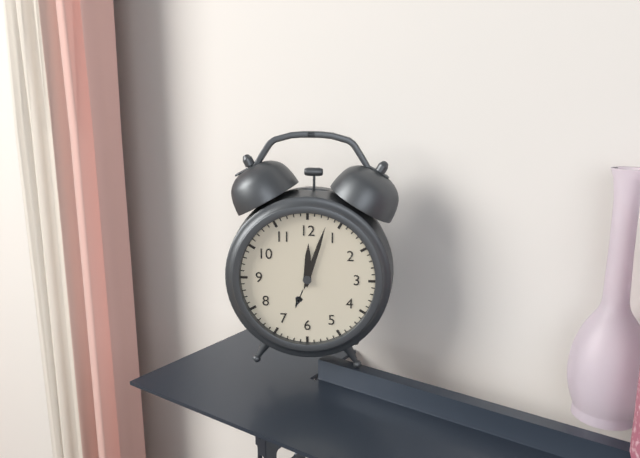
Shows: **12:03**
